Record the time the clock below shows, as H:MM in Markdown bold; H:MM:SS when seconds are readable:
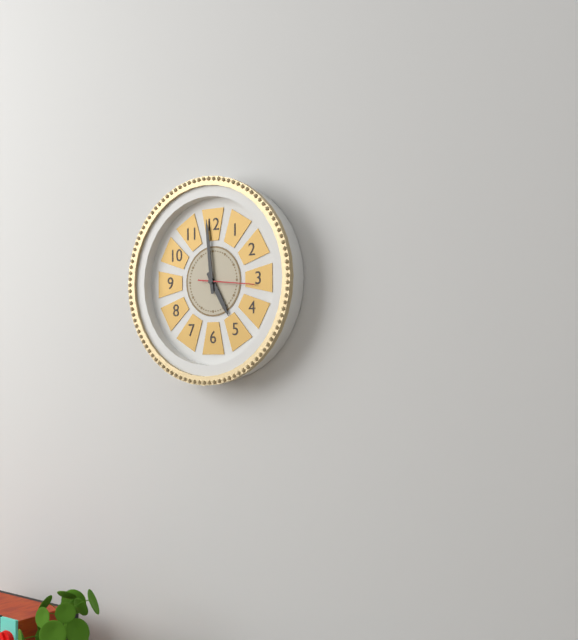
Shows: **4:59:16**
